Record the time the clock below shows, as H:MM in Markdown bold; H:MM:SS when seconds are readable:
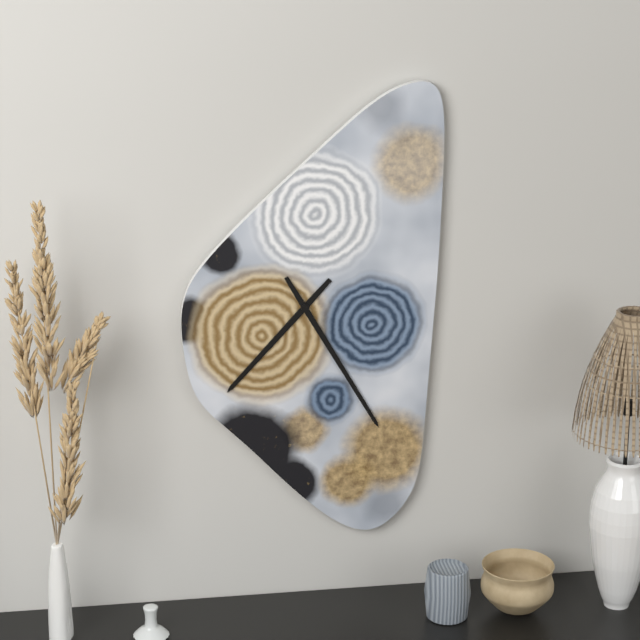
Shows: **7:25**
